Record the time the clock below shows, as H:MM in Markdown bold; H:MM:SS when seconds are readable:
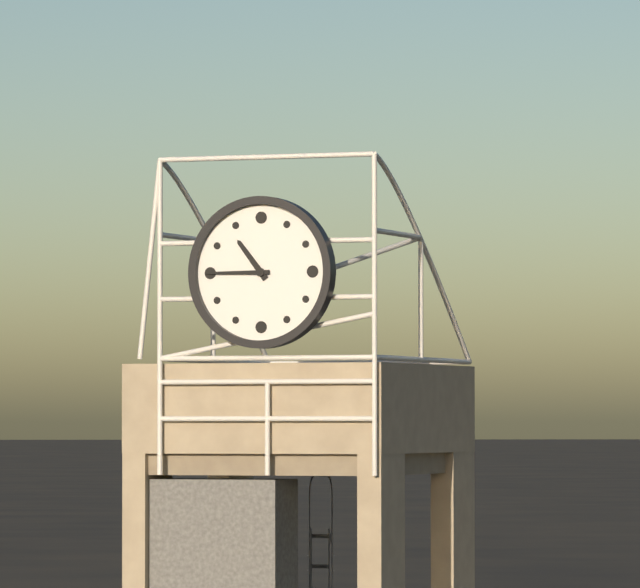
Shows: **10:45**
